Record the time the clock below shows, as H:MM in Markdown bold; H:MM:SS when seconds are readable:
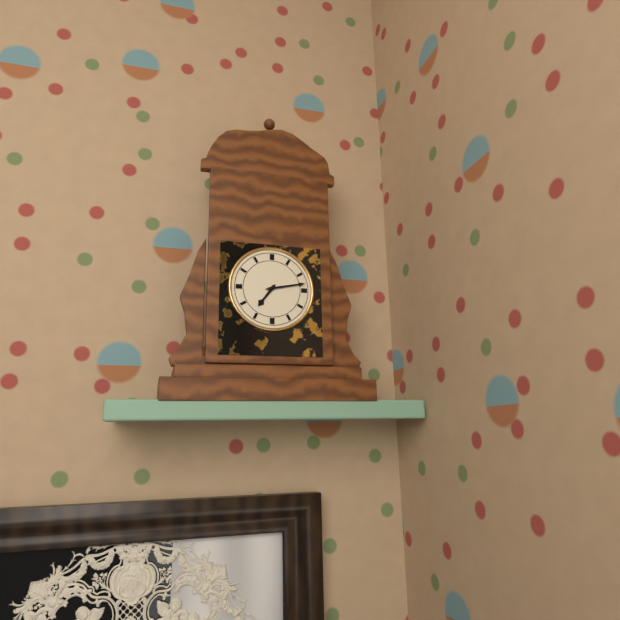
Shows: **7:13**
